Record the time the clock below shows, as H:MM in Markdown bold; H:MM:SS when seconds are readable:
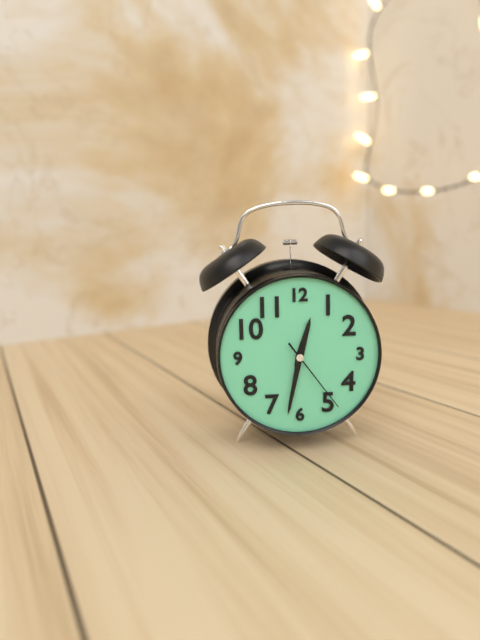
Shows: **12:32:24**
